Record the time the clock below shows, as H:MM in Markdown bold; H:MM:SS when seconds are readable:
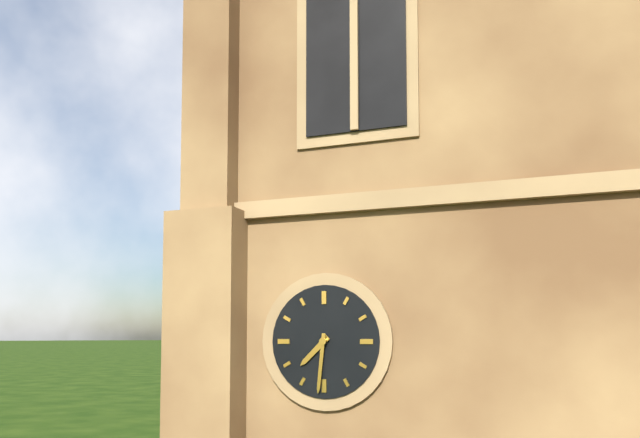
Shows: **7:31**
